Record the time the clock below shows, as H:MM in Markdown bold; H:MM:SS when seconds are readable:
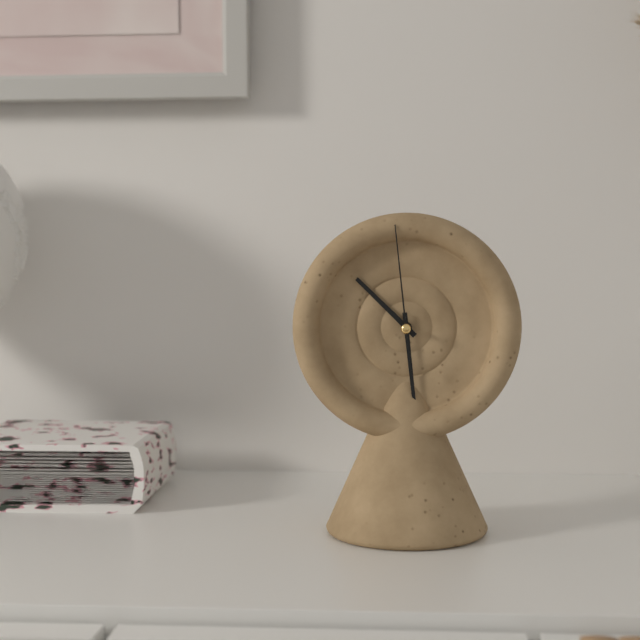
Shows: **10:29:59**
